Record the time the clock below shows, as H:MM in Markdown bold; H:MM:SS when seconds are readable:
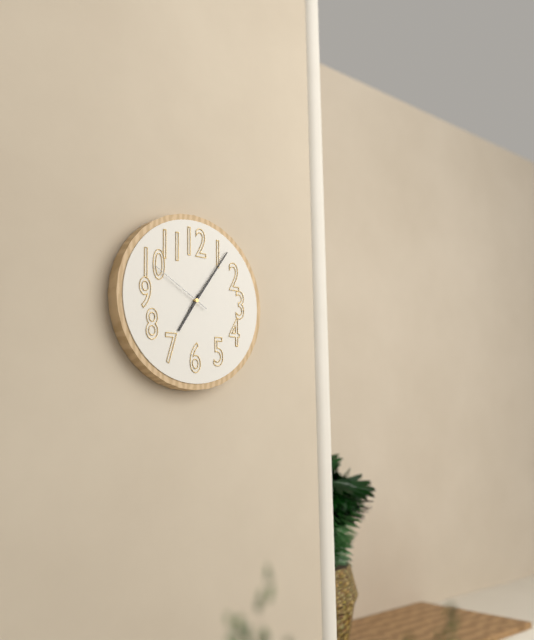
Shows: **7:06:50**
